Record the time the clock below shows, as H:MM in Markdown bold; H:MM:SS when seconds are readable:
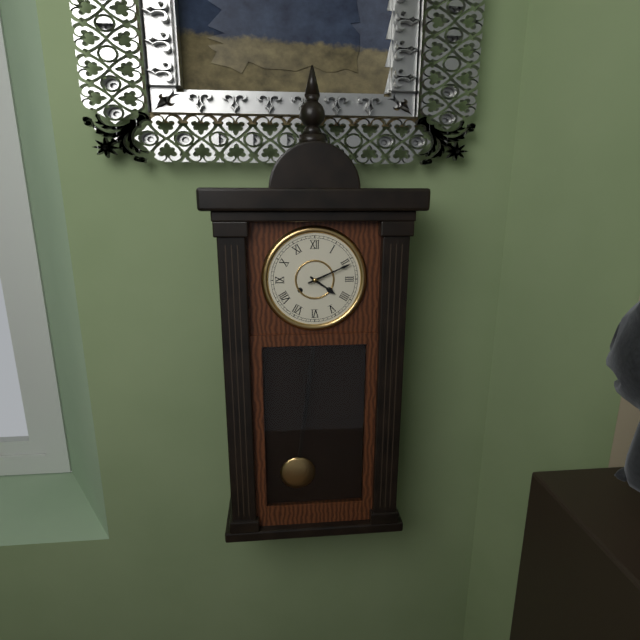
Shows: **4:11**
